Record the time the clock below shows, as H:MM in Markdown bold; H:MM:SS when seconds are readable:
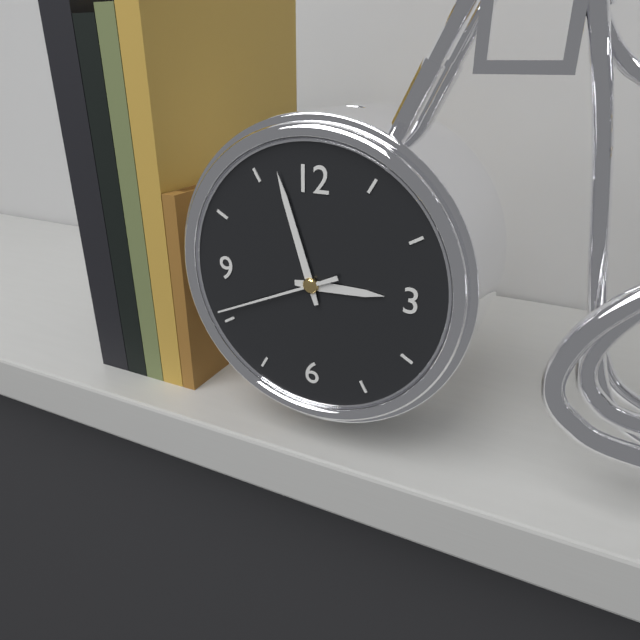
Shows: **2:57:41**
